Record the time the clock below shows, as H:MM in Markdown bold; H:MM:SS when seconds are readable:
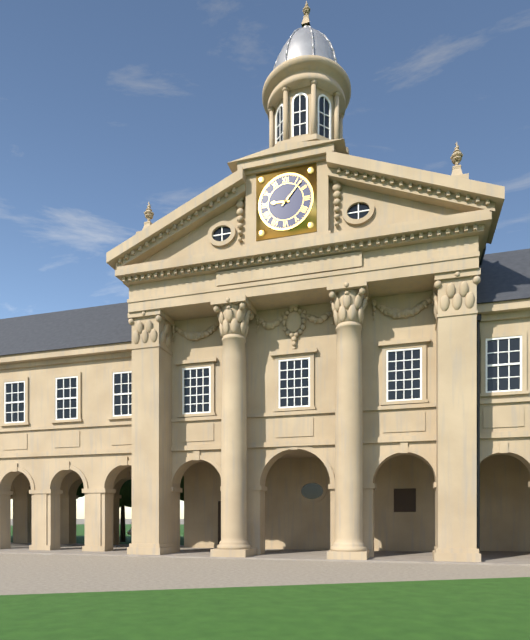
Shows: **9:07**
